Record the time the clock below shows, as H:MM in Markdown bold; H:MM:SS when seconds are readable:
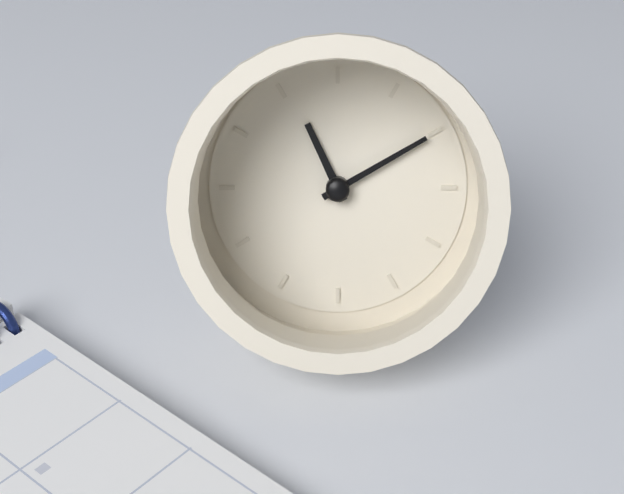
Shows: **11:10**
